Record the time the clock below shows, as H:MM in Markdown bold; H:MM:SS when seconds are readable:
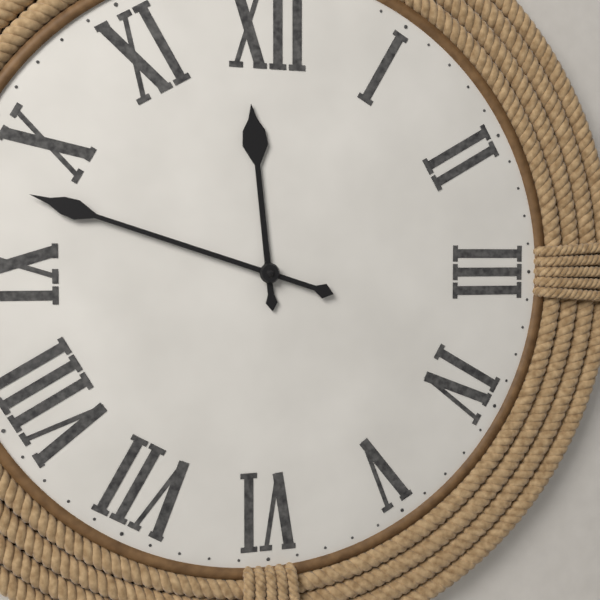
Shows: **11:48**
